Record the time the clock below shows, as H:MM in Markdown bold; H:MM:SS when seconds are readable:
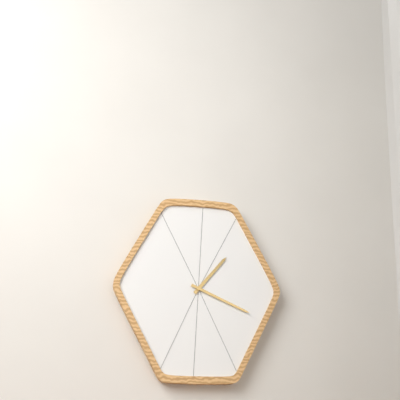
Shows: **1:19**
